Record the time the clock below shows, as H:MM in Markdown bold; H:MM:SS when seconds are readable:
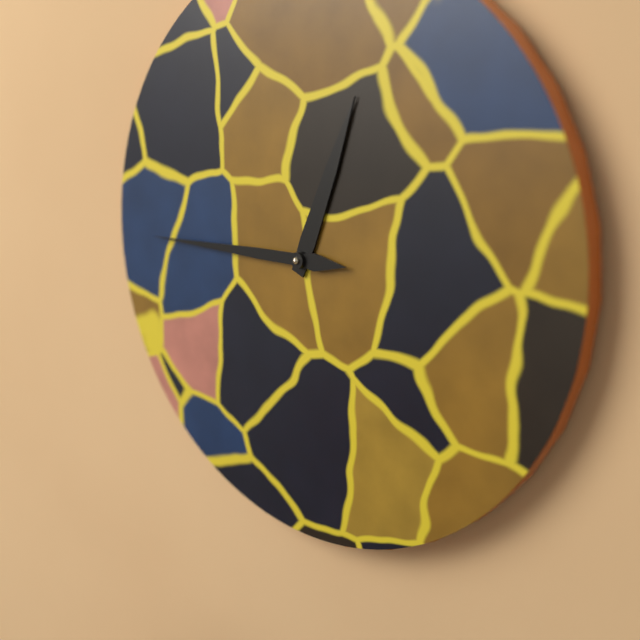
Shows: **12:45**
